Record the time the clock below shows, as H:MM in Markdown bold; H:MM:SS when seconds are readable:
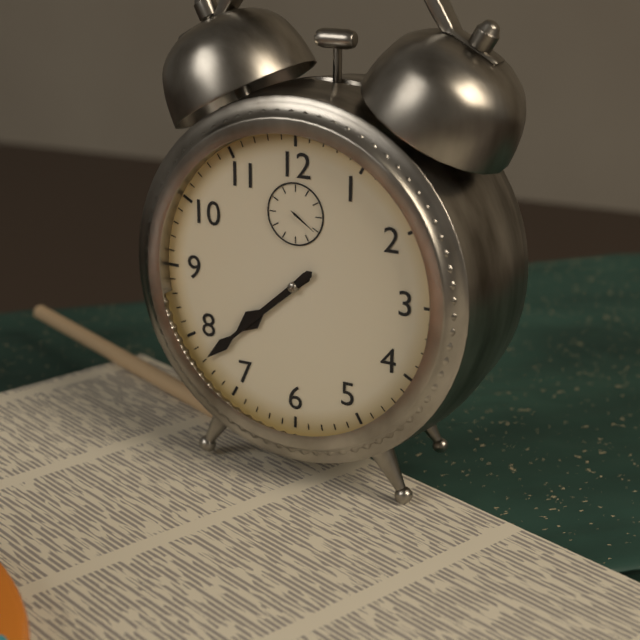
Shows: **7:38**
